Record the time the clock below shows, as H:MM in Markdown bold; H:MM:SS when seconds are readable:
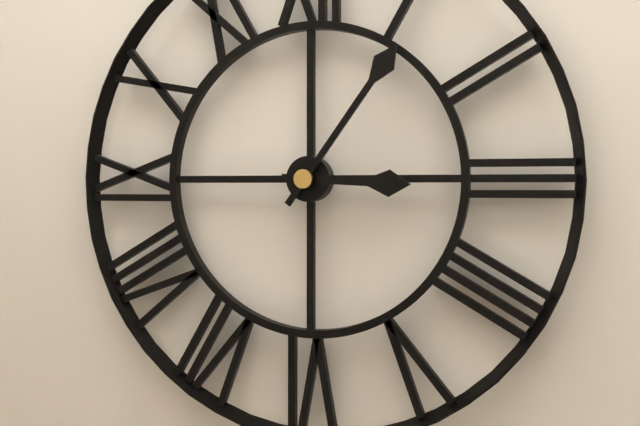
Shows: **3:06**
